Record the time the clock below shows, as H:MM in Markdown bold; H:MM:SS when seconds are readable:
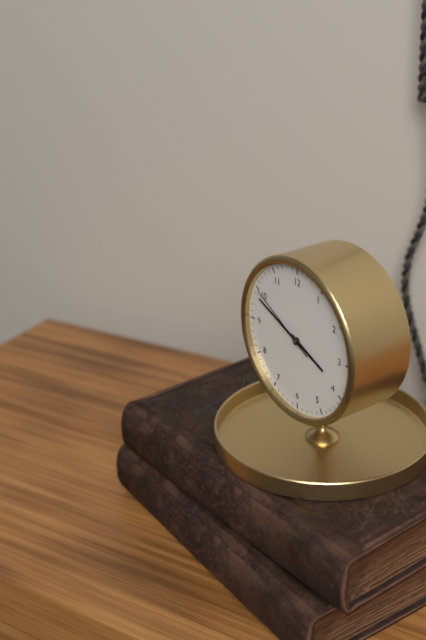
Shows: **3:49:50**
